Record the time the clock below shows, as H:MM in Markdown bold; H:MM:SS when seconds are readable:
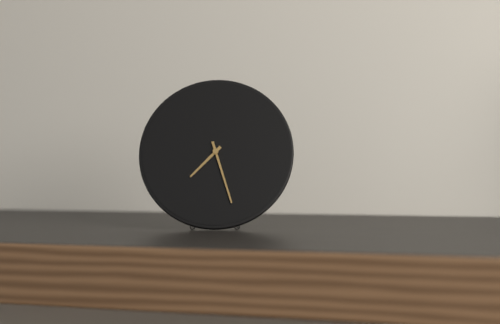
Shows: **7:27**
